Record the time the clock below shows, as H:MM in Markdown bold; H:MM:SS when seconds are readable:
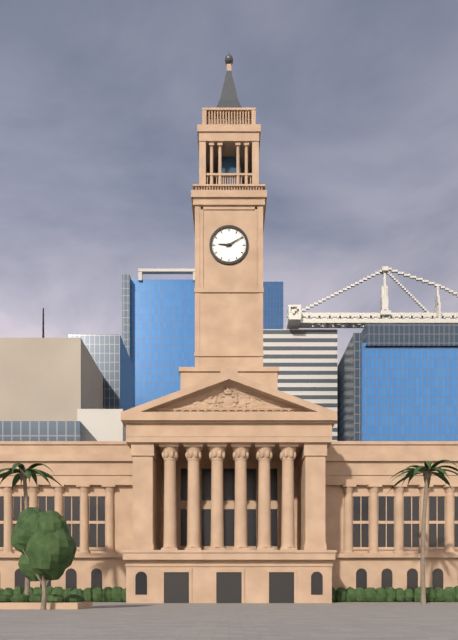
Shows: **9:10**
